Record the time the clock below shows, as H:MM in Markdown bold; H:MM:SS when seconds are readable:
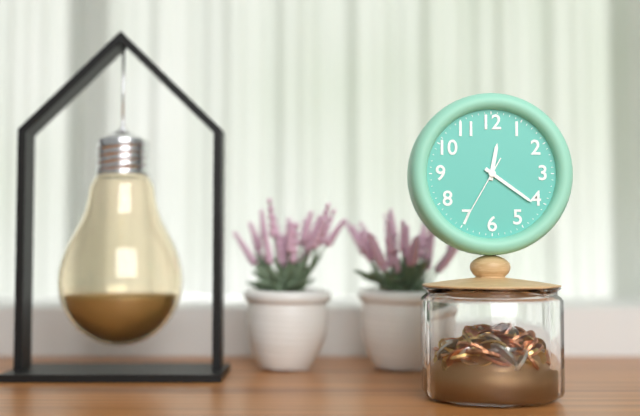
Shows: **12:21:35**
